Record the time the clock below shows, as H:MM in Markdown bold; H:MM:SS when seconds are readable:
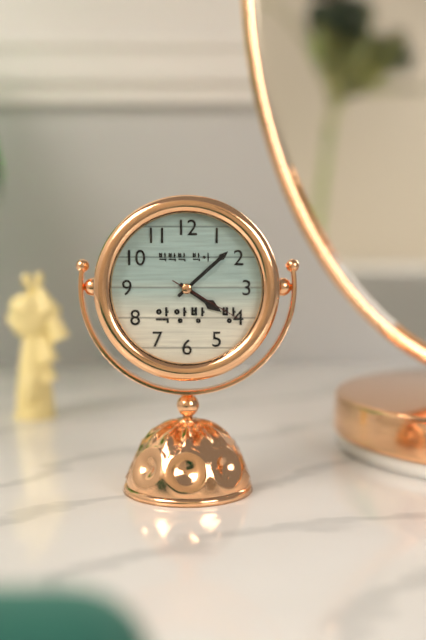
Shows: **4:08:20**
